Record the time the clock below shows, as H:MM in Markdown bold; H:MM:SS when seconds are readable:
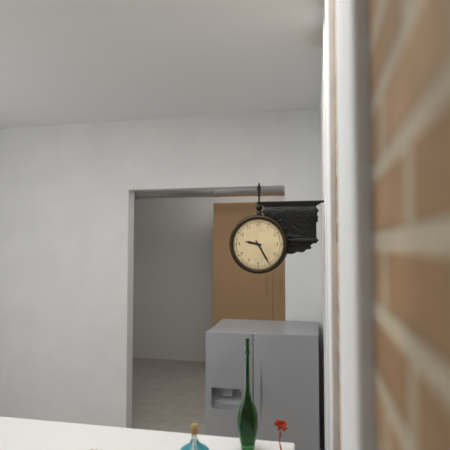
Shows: **9:25**
